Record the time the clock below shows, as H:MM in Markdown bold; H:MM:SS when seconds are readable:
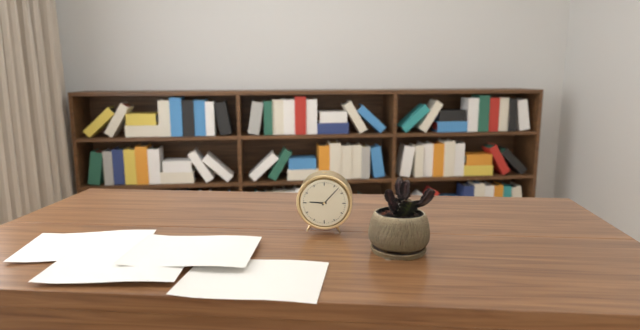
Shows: **9:07**
